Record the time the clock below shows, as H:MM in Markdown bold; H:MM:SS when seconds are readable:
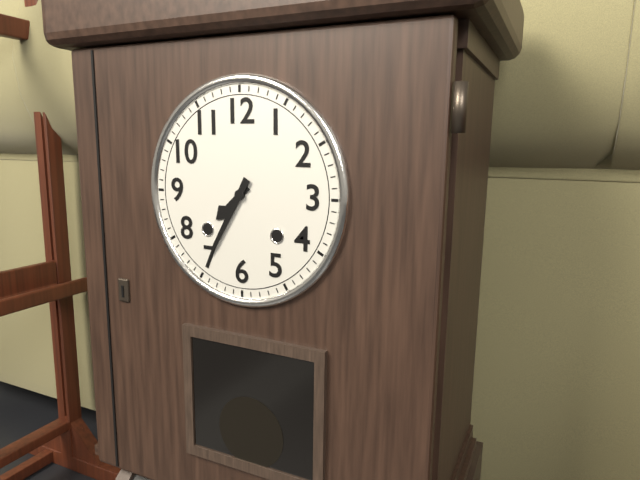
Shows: **7:35**
